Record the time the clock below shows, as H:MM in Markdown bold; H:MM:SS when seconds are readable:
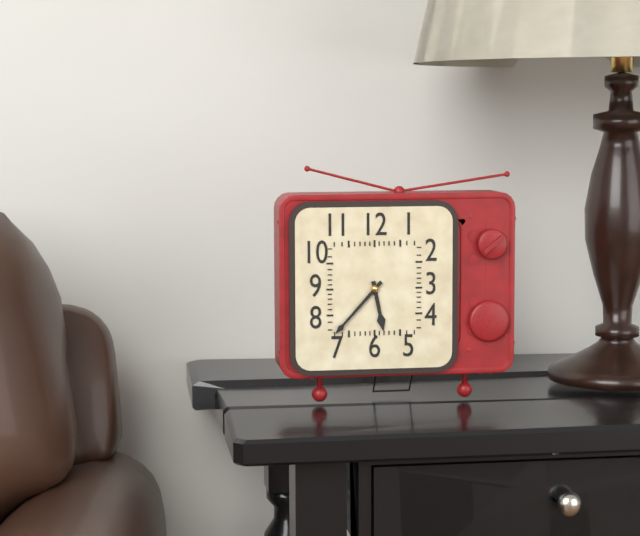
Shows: **5:37**
